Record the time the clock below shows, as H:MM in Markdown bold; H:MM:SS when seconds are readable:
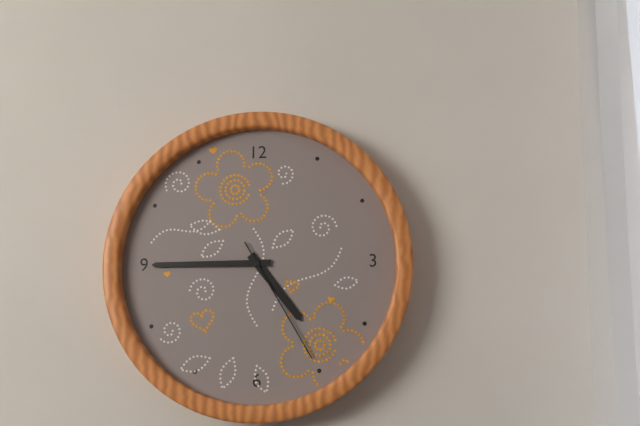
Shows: **4:45:25**
